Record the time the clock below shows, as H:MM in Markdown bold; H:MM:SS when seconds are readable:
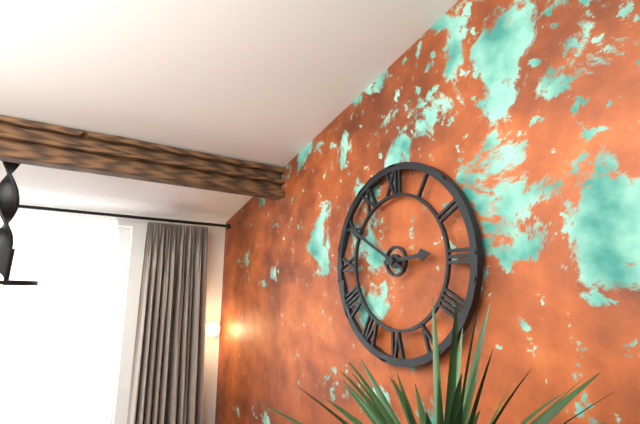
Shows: **2:50**
